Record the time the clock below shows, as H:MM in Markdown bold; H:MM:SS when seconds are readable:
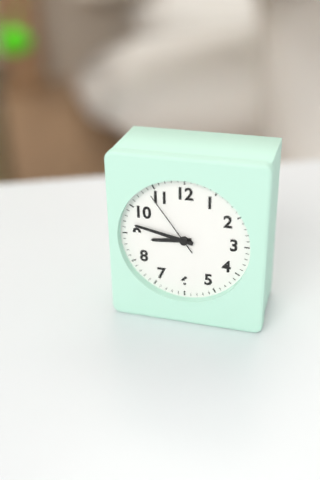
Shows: **8:47:54**
